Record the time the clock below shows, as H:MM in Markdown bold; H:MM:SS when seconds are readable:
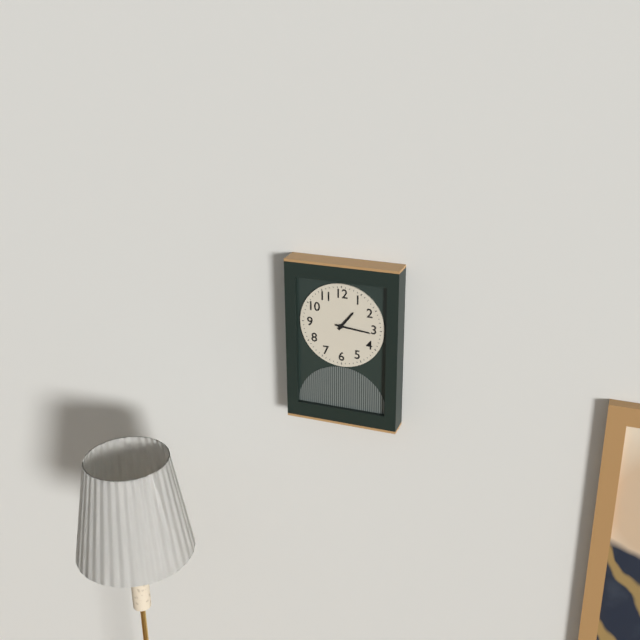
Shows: **1:16**
